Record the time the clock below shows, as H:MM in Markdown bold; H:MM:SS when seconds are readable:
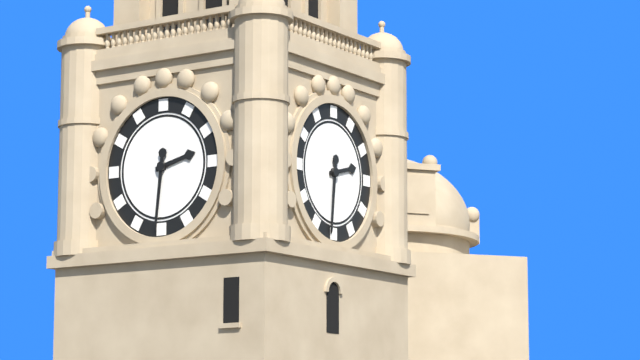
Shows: **2:31**
